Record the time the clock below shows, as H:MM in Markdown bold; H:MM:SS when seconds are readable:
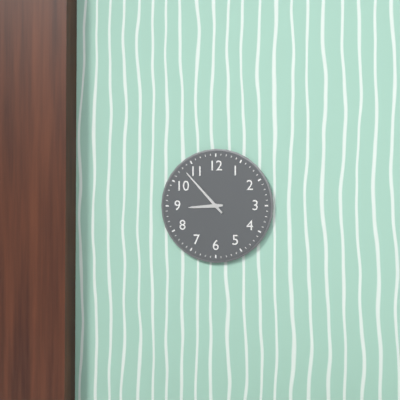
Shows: **8:53**
